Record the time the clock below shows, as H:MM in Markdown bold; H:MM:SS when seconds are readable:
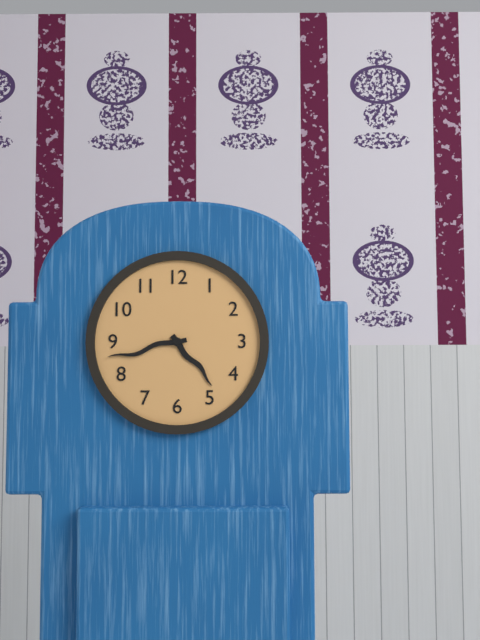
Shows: **4:43**
